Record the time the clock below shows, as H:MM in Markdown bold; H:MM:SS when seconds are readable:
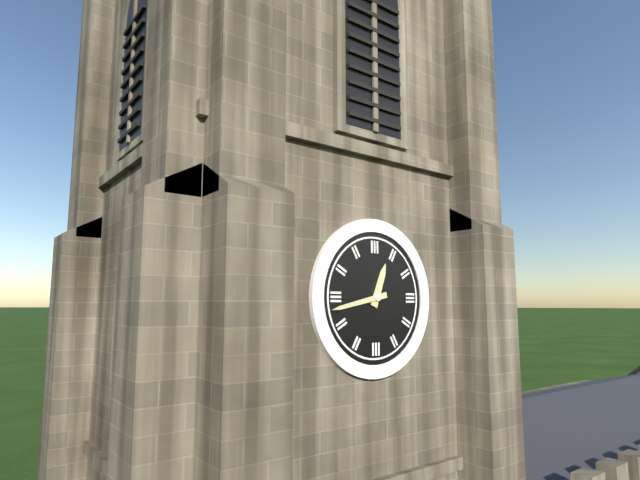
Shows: **12:43**
